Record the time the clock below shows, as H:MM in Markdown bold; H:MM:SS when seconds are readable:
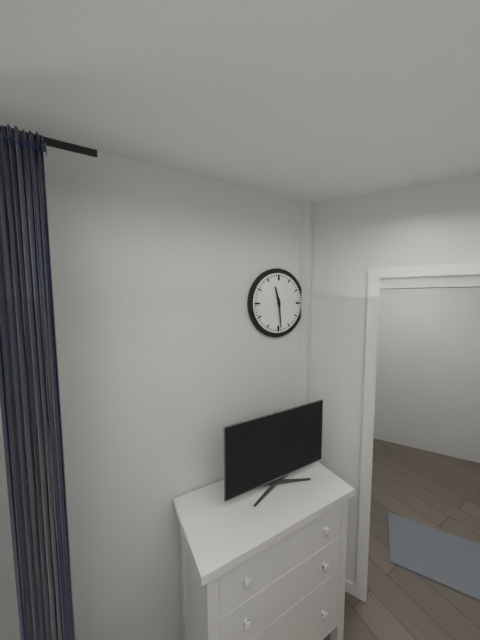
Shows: **11:29**
